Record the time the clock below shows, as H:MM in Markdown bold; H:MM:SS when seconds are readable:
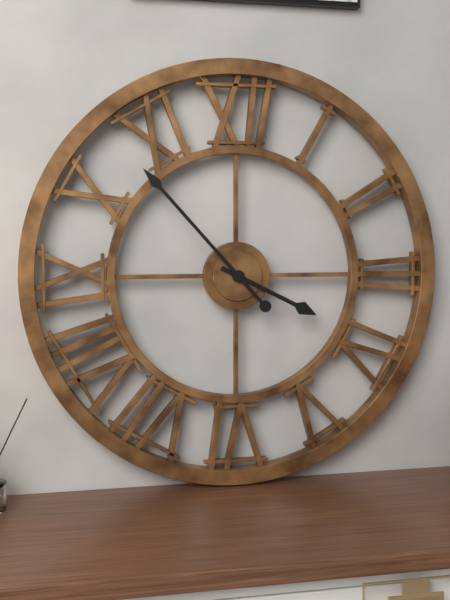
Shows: **3:53**
